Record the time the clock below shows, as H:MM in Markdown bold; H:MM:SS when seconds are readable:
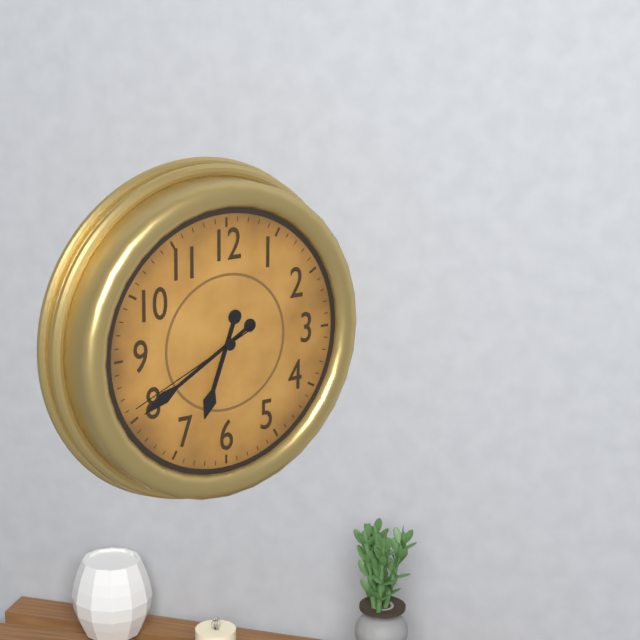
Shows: **6:40:41**
